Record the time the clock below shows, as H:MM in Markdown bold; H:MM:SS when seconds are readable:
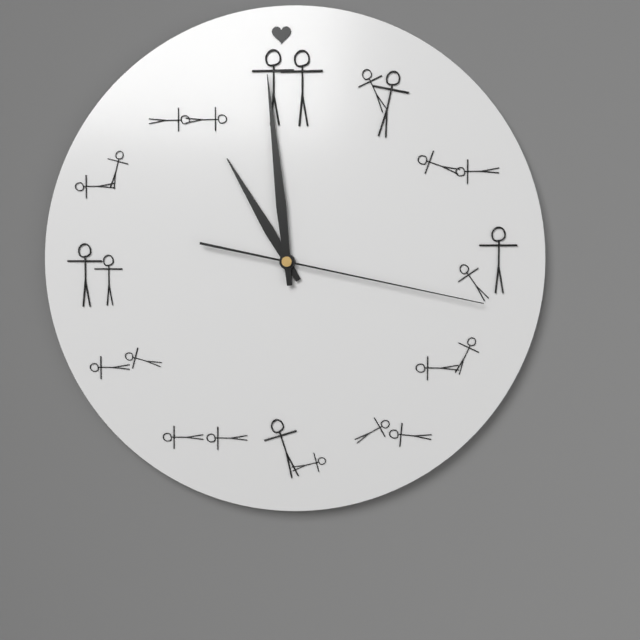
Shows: **10:59:17**
